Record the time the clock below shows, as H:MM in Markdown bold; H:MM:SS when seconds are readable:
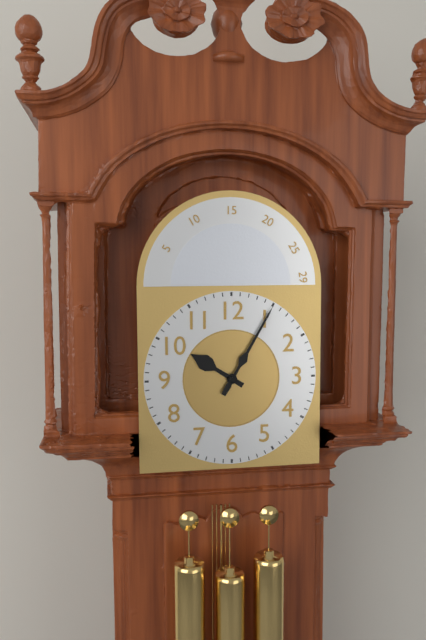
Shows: **10:05**
